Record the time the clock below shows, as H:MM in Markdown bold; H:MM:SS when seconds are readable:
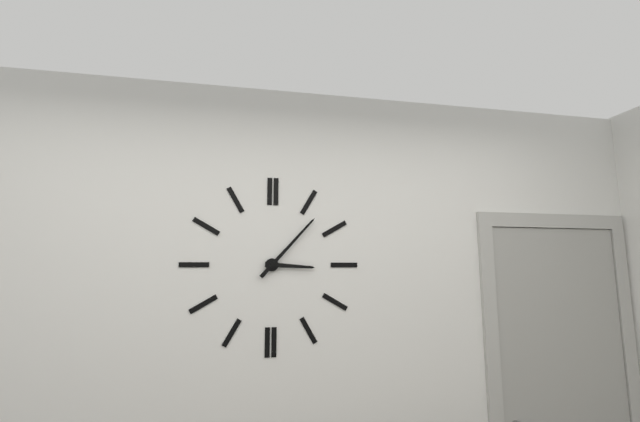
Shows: **3:07**
